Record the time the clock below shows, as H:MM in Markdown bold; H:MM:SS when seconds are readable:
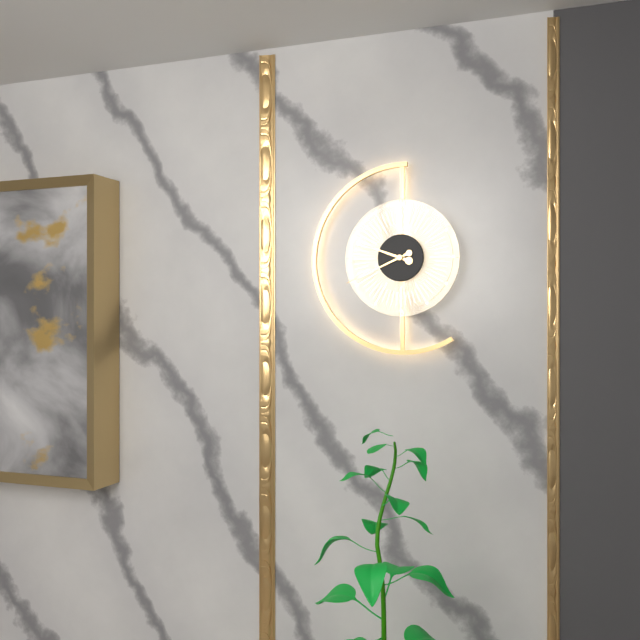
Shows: **9:41**
